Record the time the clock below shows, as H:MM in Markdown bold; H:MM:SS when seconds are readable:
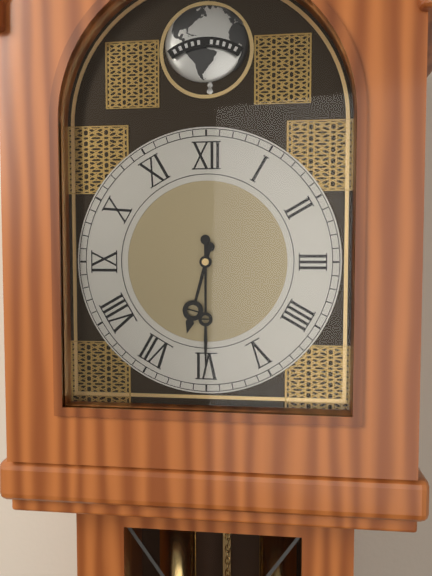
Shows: **6:30**
